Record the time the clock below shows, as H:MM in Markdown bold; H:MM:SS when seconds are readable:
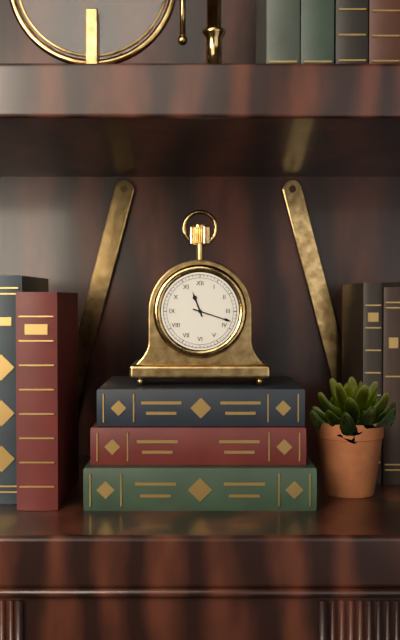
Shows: **11:18**
